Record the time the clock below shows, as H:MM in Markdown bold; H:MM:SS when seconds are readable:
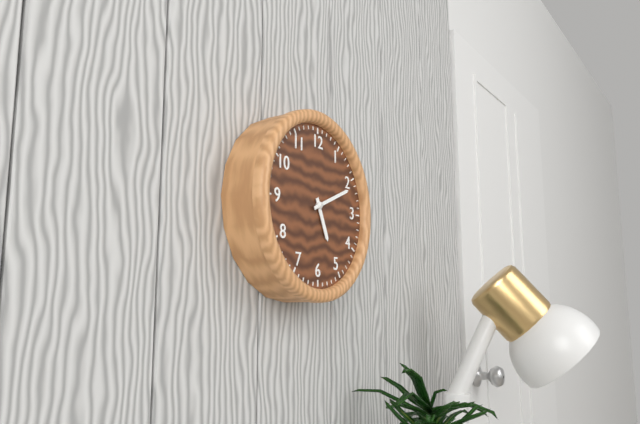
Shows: **5:11**
